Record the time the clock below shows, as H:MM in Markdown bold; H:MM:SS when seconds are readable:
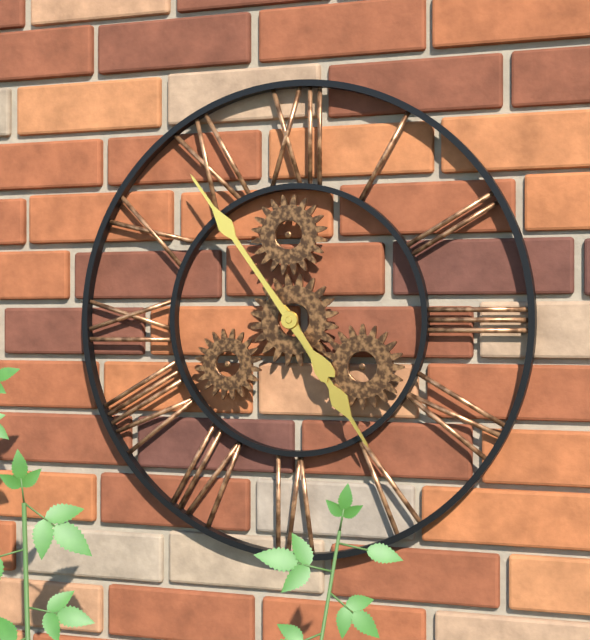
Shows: **4:54**
